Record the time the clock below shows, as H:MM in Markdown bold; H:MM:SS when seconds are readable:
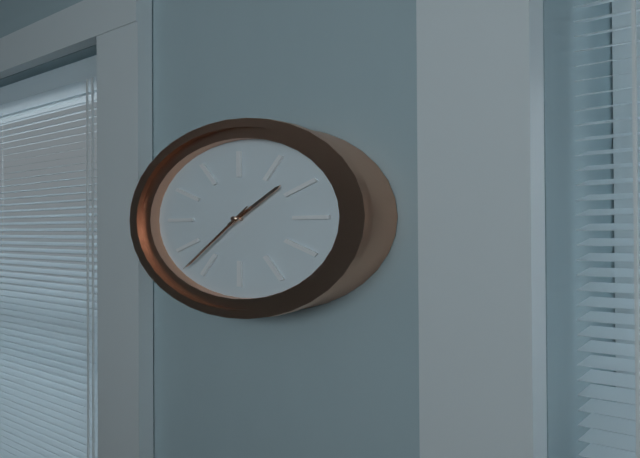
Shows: **1:37:37**
